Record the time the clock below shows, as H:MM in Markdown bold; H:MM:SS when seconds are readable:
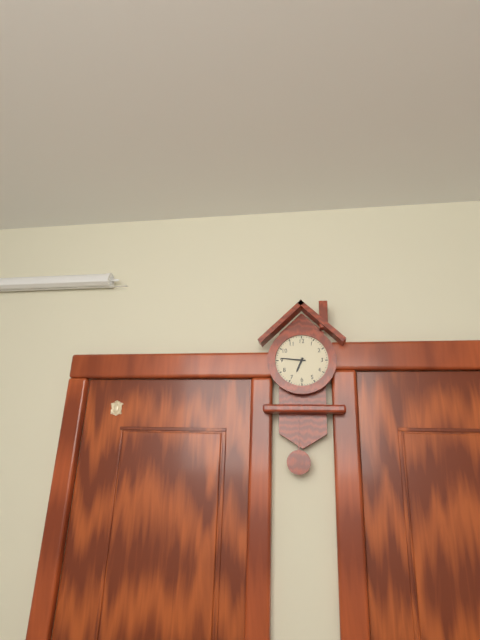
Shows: **6:46**
